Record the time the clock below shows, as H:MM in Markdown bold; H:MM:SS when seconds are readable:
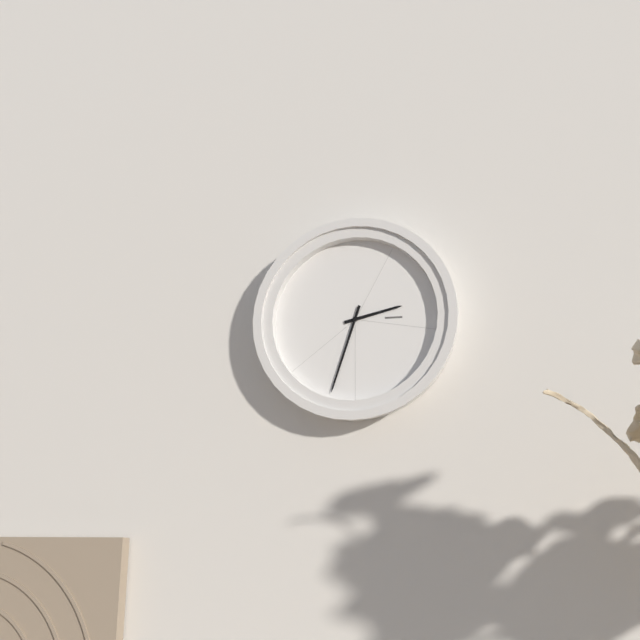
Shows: **2:33**
